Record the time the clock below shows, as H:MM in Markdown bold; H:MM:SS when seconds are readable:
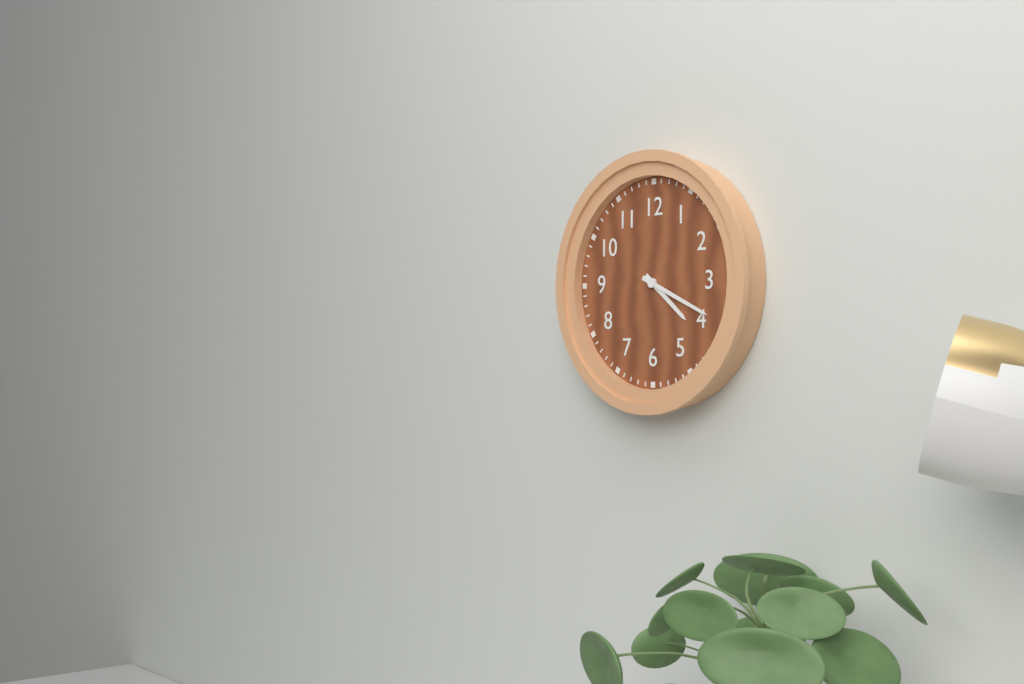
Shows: **4:19**
